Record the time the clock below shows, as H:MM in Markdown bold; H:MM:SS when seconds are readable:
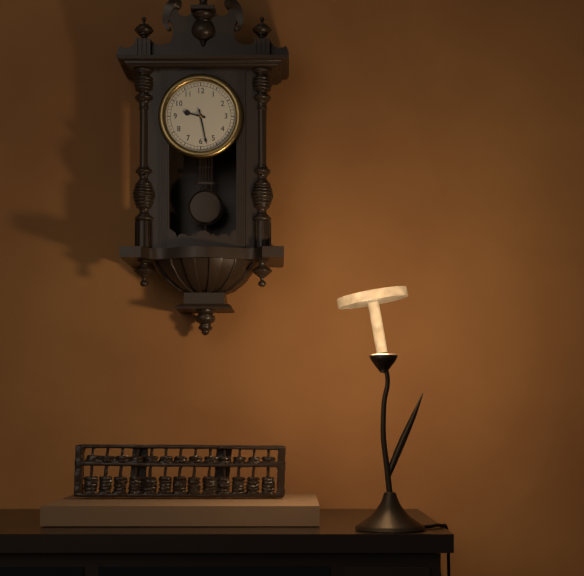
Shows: **9:28**
